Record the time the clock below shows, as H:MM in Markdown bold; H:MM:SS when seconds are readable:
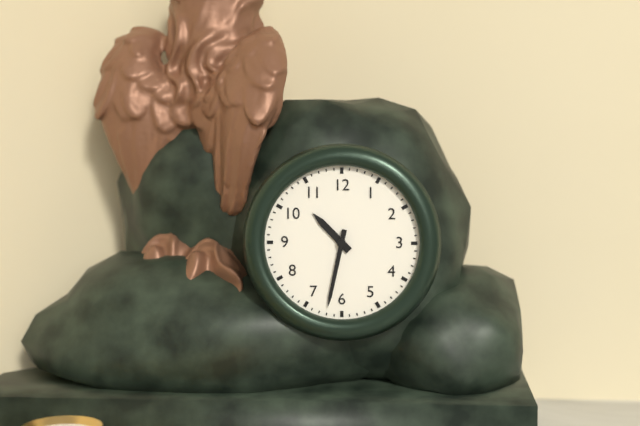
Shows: **10:32**
